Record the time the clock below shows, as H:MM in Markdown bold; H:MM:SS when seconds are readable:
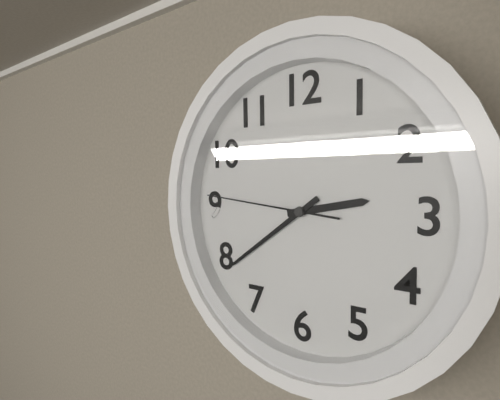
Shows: **2:39:46**
